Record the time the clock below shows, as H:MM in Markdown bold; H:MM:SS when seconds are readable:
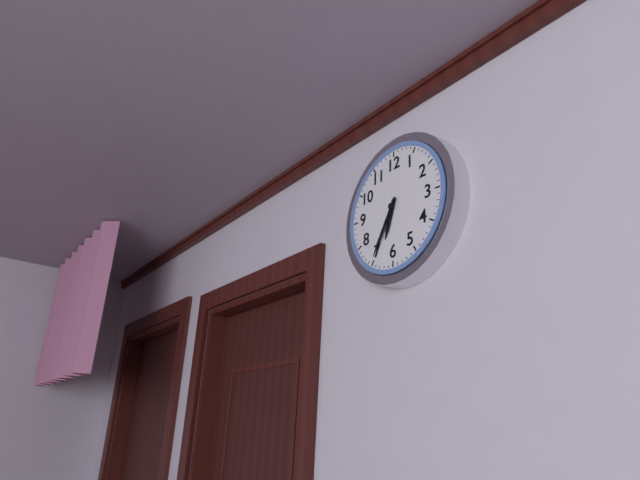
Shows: **6:35**
